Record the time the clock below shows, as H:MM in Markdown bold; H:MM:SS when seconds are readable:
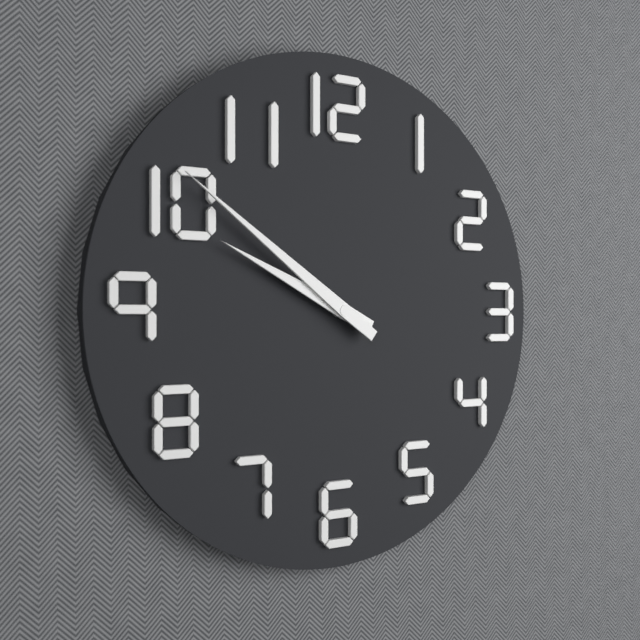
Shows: **9:51**
